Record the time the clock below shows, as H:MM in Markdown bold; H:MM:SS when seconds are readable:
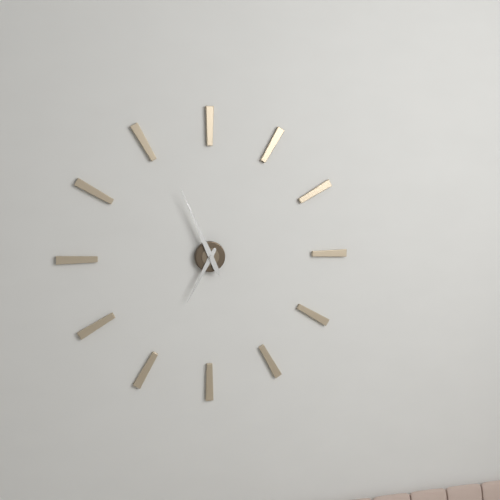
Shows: **6:56**
